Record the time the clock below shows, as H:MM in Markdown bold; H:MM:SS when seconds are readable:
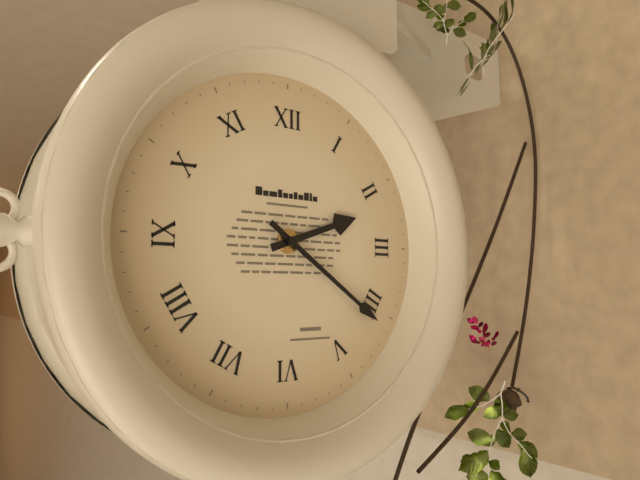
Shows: **2:21**
